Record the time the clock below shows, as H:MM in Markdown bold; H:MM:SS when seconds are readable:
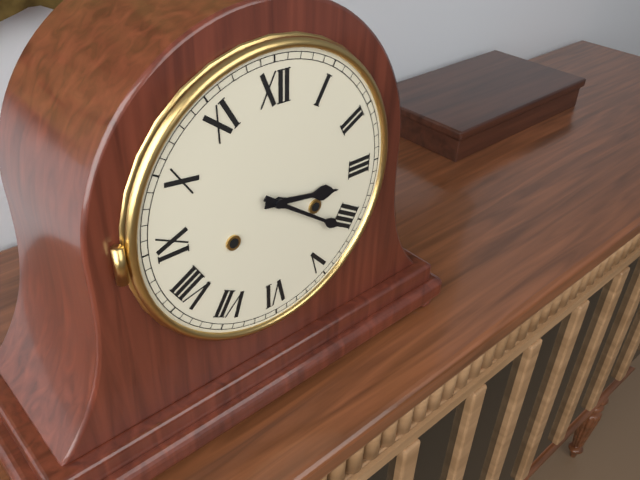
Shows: **3:21**
